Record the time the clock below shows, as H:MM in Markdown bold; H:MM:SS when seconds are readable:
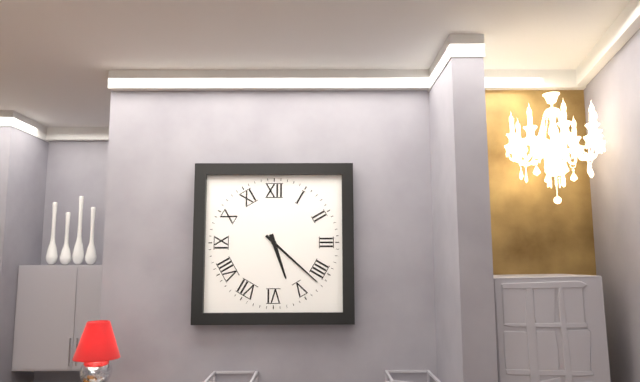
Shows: **5:22**
